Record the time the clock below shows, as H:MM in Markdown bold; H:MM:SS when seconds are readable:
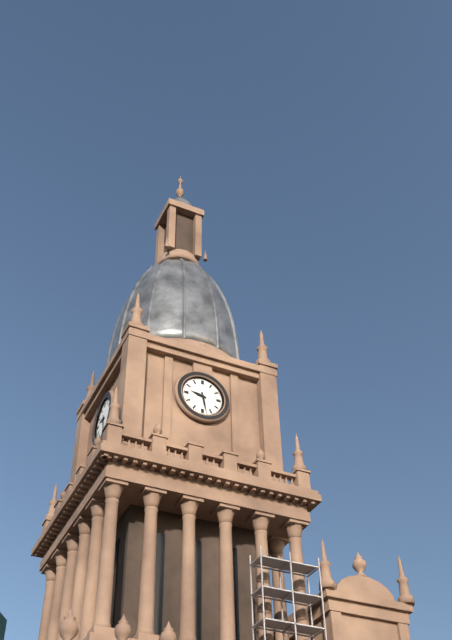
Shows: **9:28**
